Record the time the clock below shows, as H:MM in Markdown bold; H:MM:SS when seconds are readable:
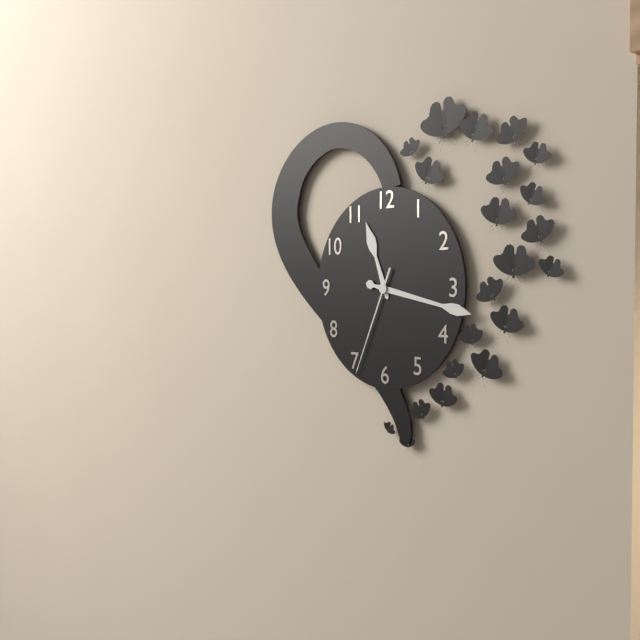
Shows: **11:17:34**
